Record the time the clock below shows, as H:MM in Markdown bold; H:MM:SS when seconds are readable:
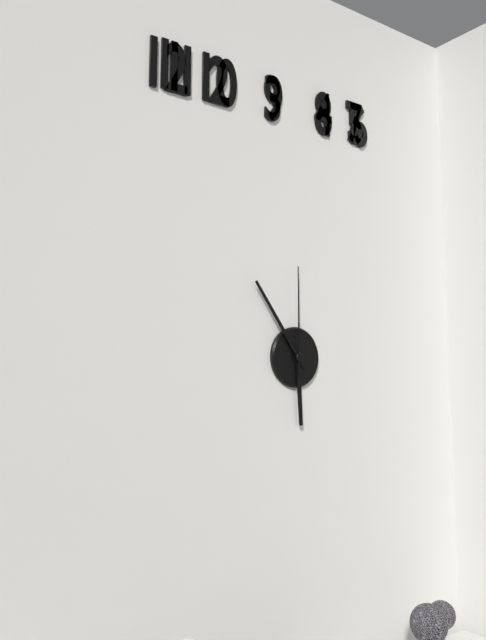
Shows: **5:54:00**
